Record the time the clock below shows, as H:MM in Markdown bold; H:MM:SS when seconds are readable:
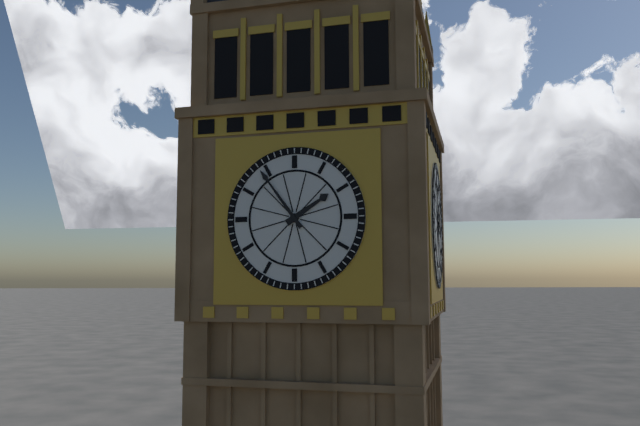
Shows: **1:54**
